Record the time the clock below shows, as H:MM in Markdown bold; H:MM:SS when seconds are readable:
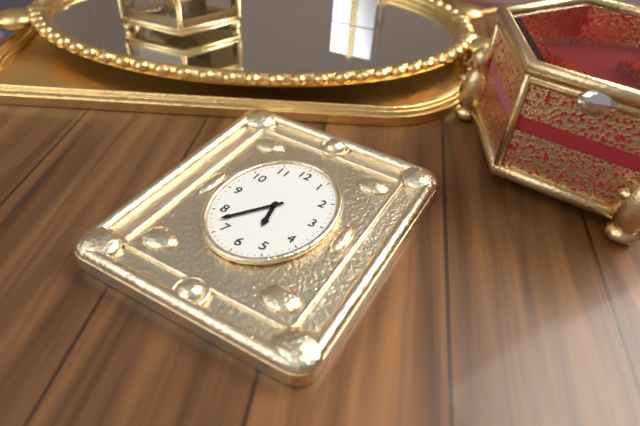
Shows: **5:36**
